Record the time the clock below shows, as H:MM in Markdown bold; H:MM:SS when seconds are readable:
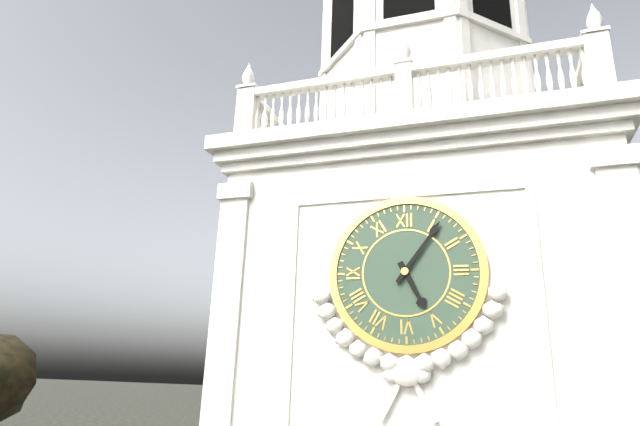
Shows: **5:06**
